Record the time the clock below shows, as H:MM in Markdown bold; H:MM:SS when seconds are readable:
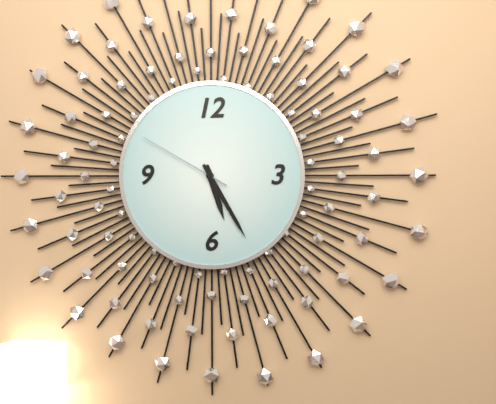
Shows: **5:25:50**
